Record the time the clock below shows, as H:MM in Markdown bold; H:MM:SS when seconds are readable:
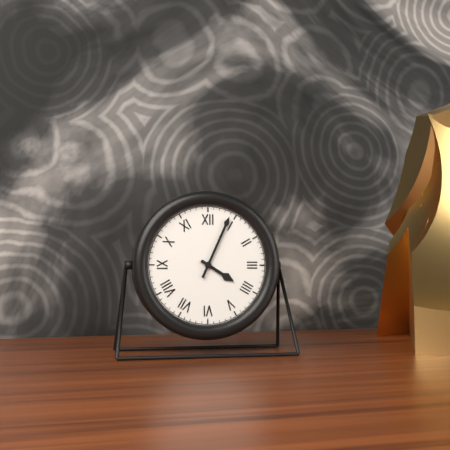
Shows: **4:04**
